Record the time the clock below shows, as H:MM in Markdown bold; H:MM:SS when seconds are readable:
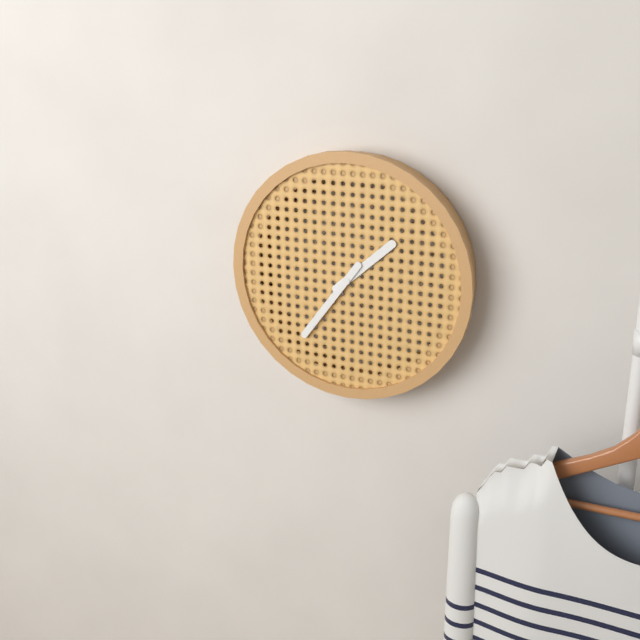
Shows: **1:36**
